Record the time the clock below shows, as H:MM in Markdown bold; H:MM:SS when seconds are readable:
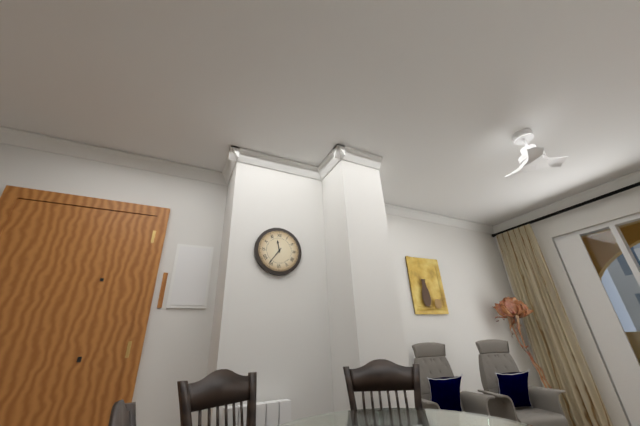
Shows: **11:36**
